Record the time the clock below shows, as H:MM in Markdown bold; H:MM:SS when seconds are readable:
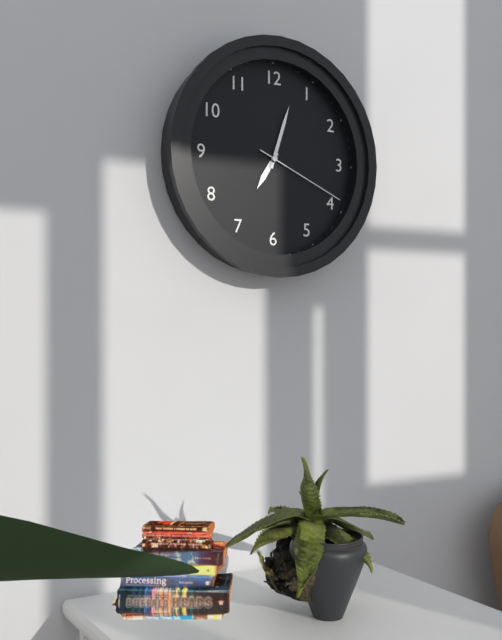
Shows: **7:03:19**
